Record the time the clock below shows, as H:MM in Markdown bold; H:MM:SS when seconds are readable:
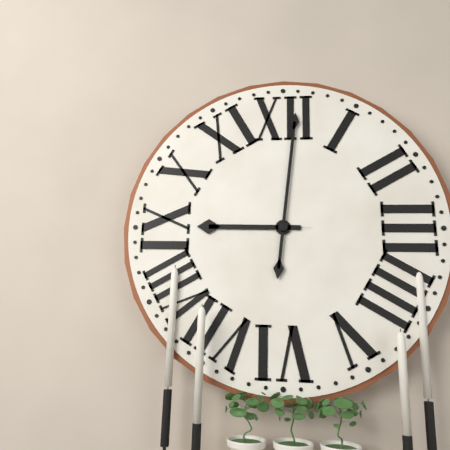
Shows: **9:01**
